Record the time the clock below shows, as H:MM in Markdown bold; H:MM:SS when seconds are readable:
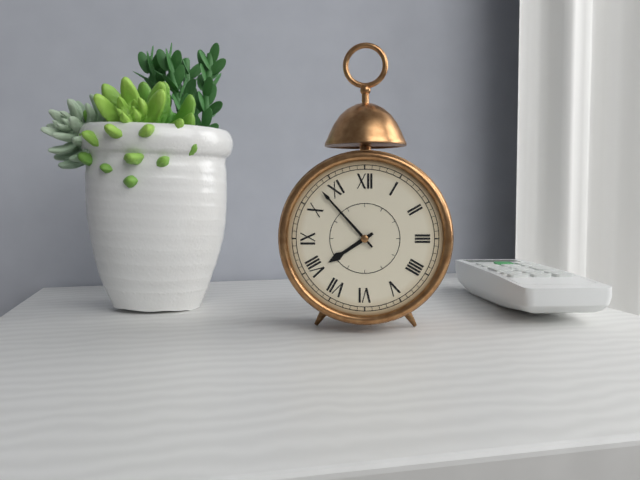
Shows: **7:53**
